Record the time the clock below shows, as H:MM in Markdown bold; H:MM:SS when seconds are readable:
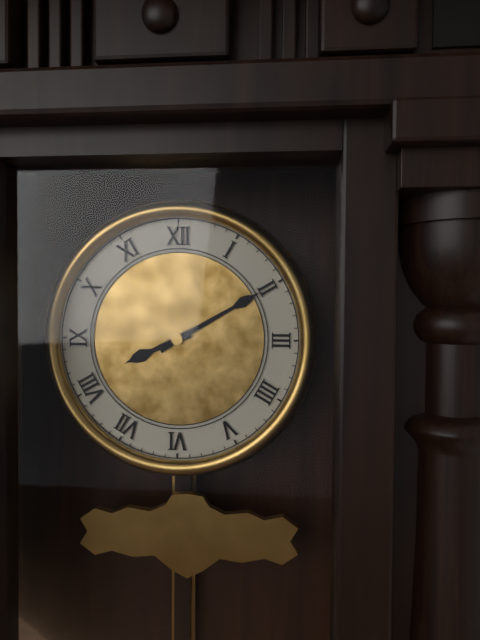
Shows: **8:10**
